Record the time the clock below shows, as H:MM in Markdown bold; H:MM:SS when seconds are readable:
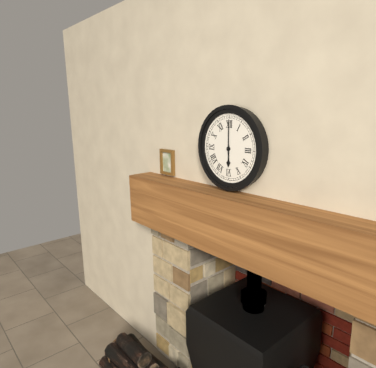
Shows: **6:00**
